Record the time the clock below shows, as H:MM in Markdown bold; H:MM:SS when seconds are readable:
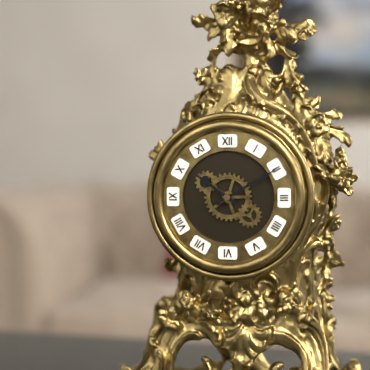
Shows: **10:10**
